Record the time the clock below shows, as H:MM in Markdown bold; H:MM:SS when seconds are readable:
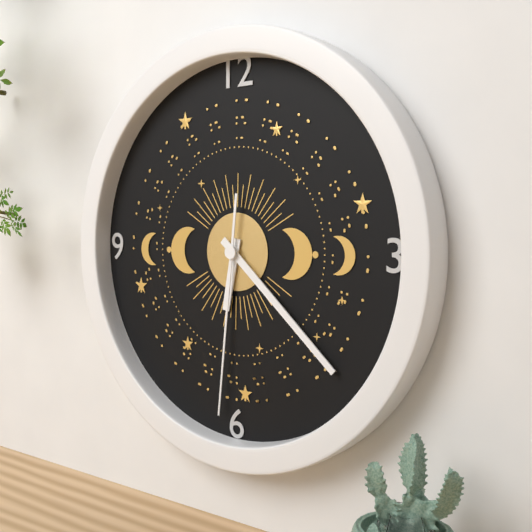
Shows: **6:22:31**
